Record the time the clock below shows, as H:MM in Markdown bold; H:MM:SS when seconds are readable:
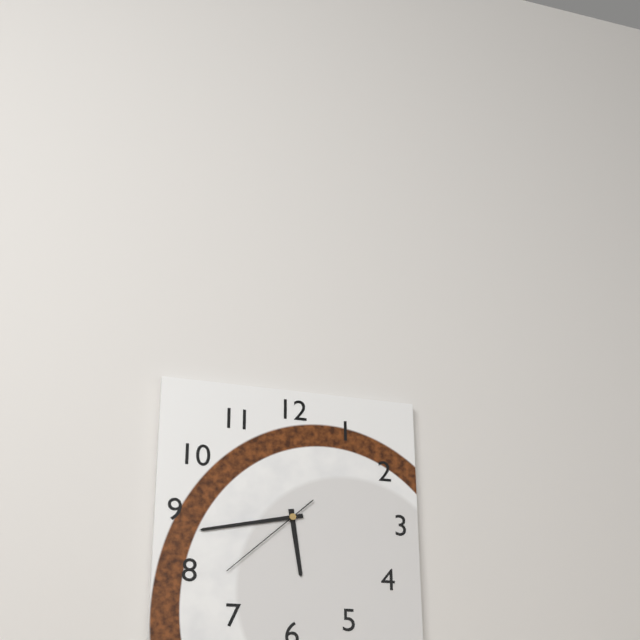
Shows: **5:43:38**
